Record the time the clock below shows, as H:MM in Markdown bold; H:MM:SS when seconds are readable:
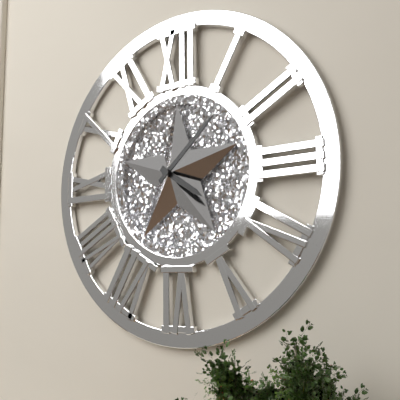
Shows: **4:08**
